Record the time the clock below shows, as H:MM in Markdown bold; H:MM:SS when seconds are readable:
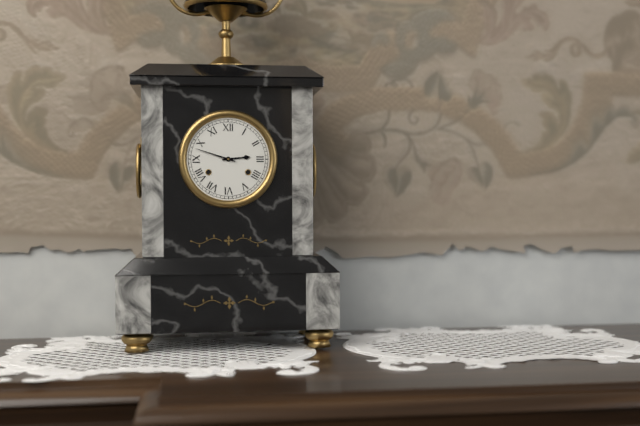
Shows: **2:48**
